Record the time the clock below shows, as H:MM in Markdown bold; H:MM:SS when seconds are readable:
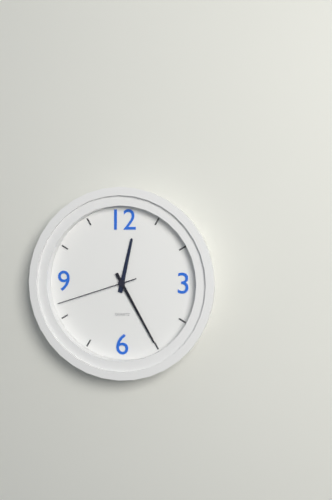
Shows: **12:25:42**
